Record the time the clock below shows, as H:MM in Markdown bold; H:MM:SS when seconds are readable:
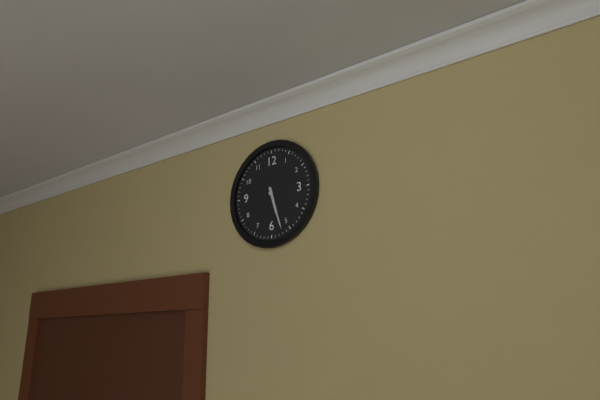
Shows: **5:27**
